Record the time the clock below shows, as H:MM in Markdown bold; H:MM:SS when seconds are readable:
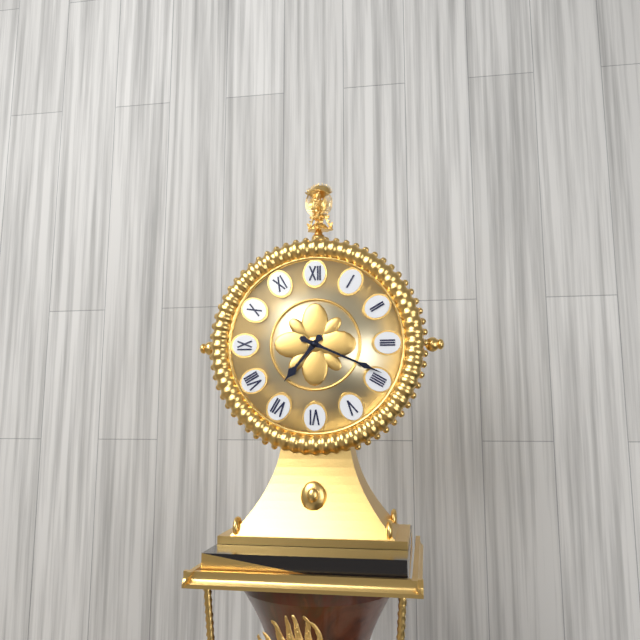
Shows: **7:19**
